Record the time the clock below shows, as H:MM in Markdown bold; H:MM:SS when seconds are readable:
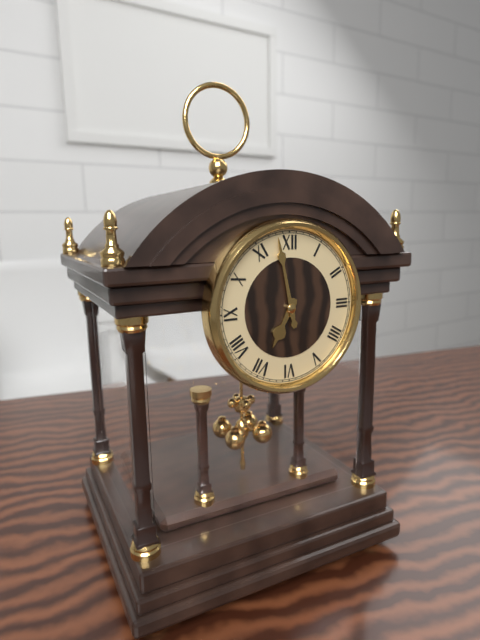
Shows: **6:58**
